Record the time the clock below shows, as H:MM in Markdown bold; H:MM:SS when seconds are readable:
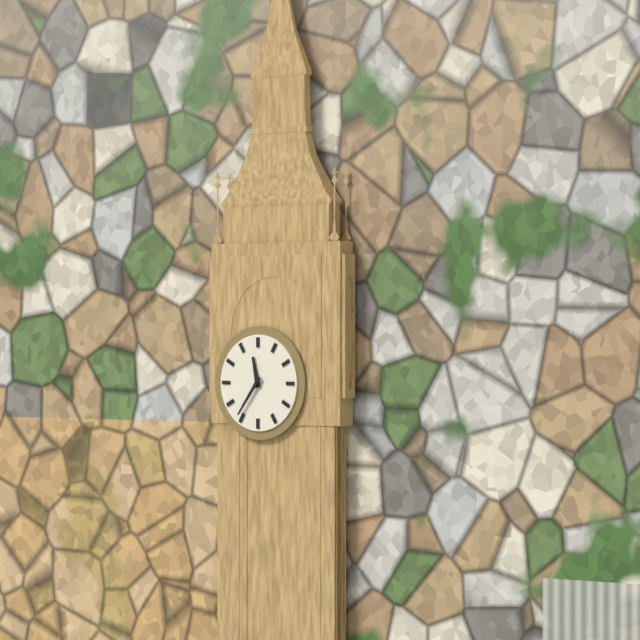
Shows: **11:36**
